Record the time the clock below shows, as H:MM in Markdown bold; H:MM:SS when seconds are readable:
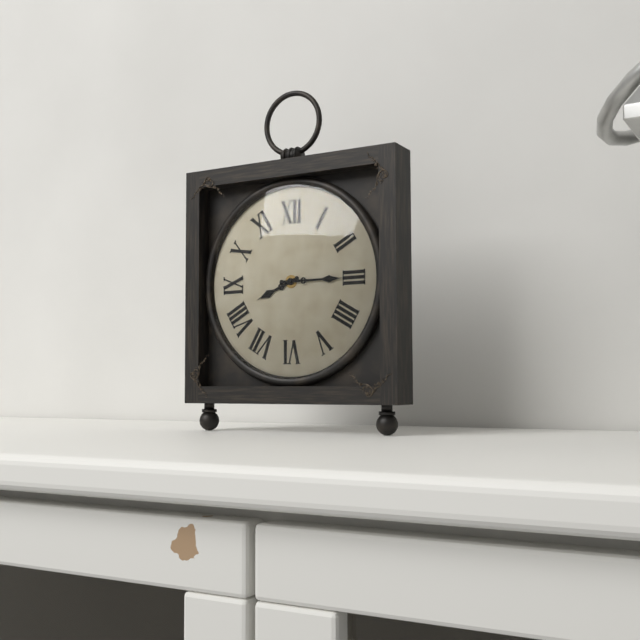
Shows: **8:15**
